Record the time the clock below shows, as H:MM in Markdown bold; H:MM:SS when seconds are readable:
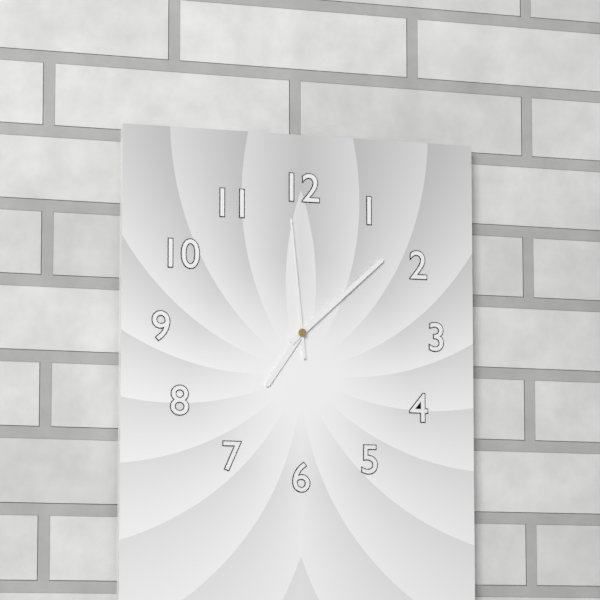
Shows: **7:08:59**
